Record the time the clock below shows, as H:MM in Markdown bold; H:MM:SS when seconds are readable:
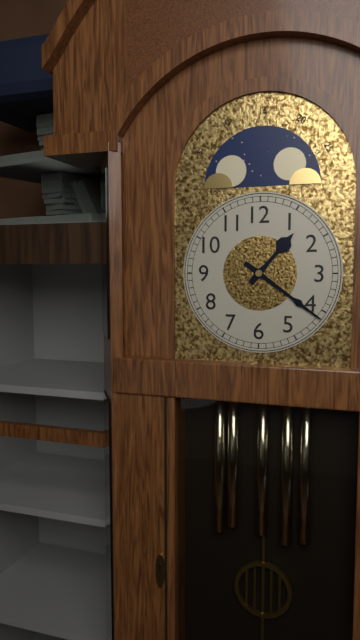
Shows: **1:21**
